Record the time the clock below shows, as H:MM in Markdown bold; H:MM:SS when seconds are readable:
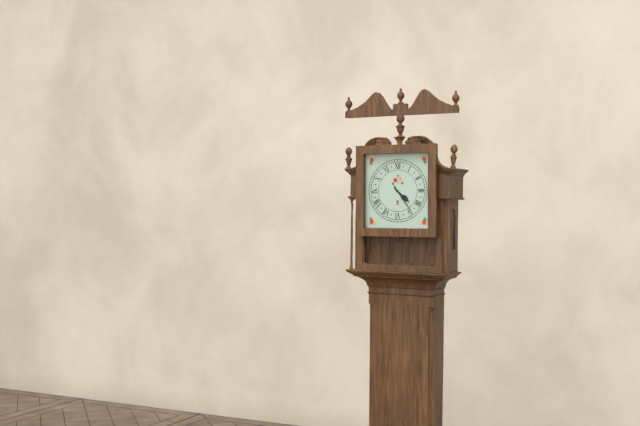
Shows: **4:24**
